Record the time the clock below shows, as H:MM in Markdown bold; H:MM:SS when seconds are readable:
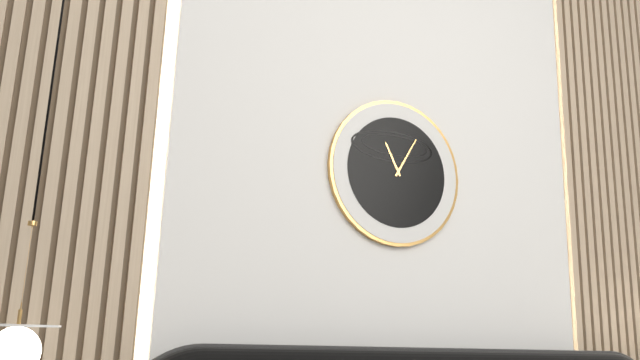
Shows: **11:05**
